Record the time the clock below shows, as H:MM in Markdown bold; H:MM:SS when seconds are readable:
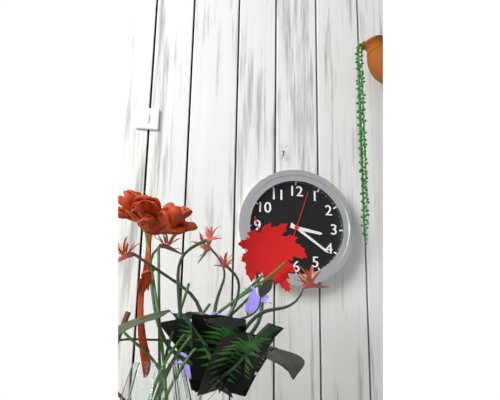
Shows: **3:21**
